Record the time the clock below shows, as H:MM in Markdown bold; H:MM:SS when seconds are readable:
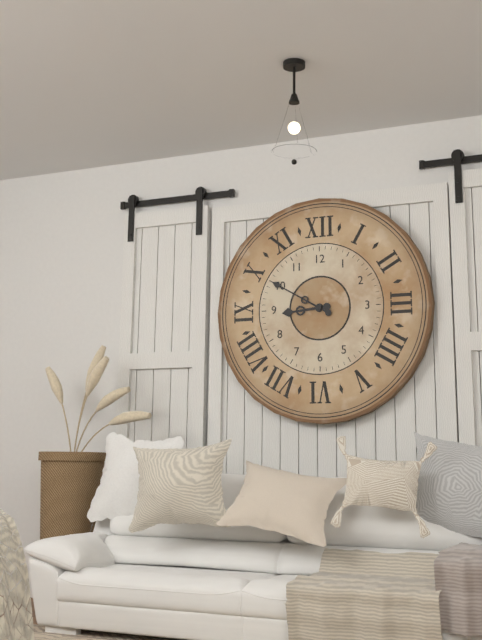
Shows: **8:50**
